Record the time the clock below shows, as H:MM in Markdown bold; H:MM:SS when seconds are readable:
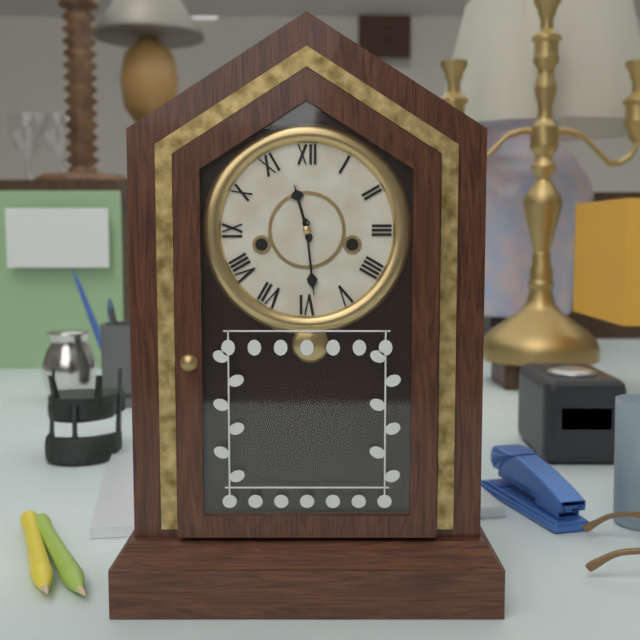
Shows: **11:29**
